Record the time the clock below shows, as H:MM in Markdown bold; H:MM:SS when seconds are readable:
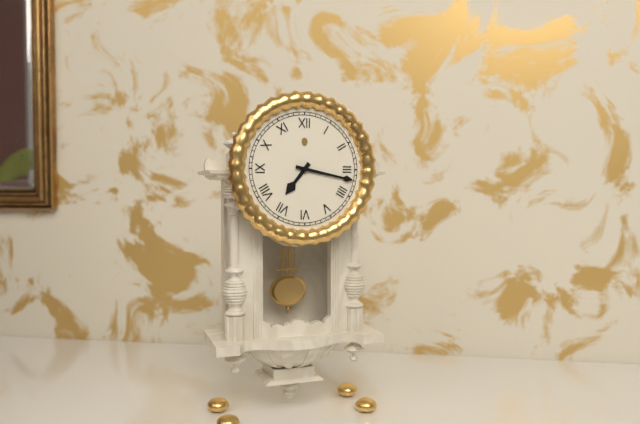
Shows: **7:17**
